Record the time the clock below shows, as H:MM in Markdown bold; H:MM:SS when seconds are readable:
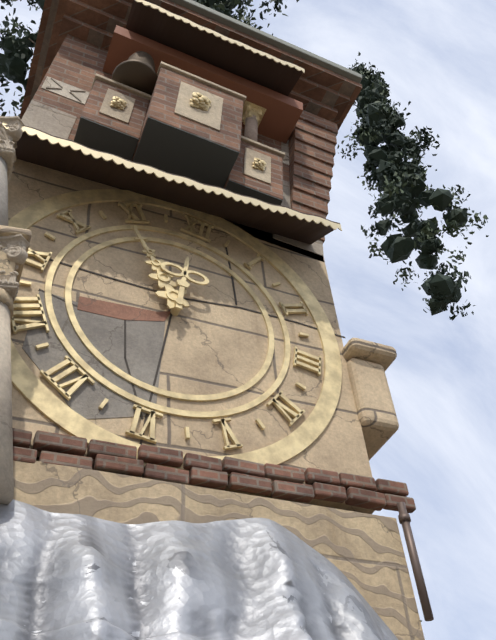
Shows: **11:54**
